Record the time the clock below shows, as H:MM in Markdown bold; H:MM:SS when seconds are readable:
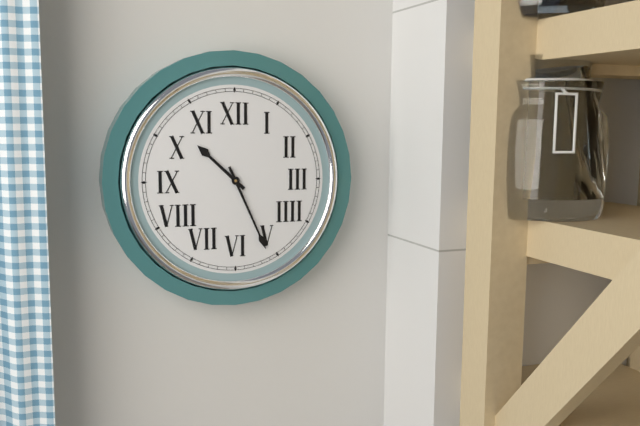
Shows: **10:26**
